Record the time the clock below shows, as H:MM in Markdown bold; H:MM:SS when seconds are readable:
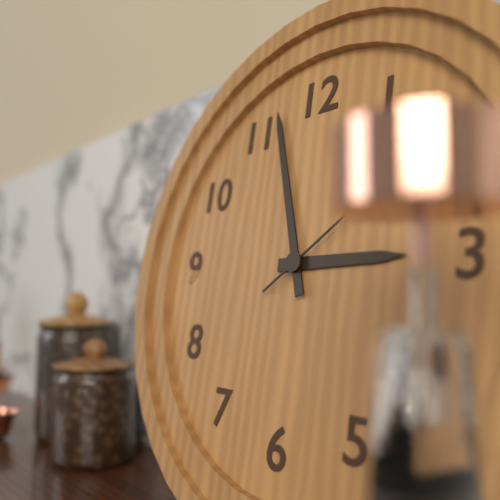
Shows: **2:57**
